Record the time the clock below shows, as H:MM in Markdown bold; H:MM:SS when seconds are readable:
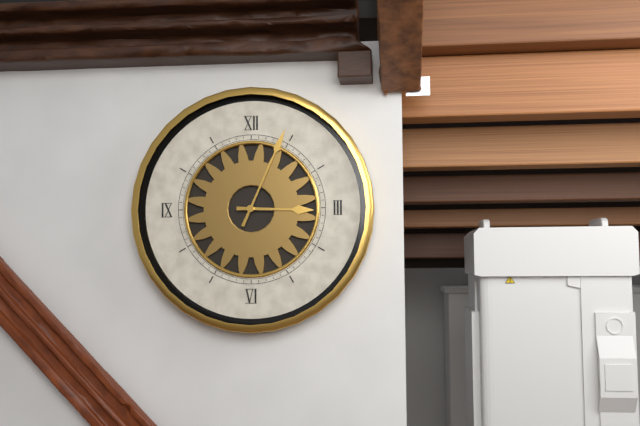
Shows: **3:04**
